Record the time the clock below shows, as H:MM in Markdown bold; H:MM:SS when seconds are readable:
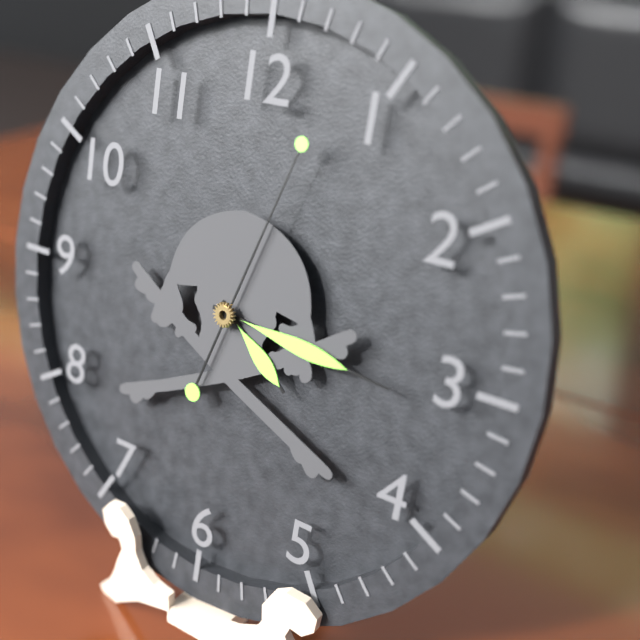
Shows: **4:16:03**
